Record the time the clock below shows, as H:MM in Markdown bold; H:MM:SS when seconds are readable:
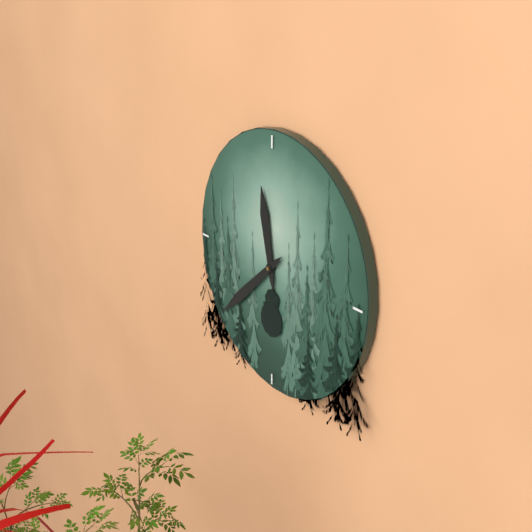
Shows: **11:38**
